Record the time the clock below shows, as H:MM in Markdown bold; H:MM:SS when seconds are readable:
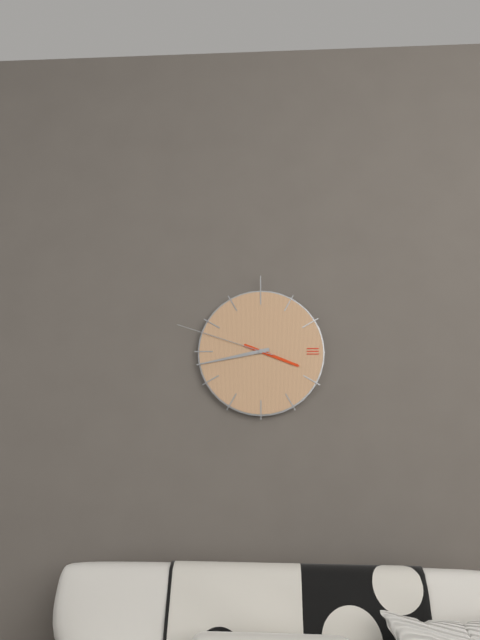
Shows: **3:43:48**
